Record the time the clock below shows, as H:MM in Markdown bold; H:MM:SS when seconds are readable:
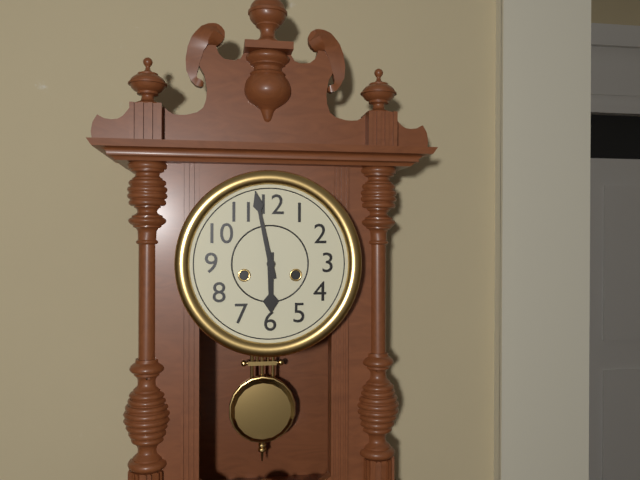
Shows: **5:58**
